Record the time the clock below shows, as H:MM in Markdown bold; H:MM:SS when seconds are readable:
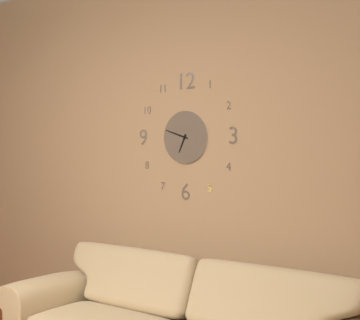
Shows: **6:48**
